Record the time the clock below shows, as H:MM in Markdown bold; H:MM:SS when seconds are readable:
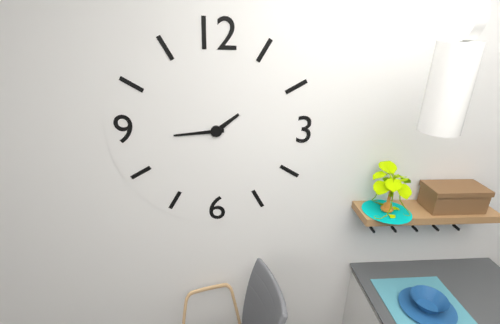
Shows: **1:44**
